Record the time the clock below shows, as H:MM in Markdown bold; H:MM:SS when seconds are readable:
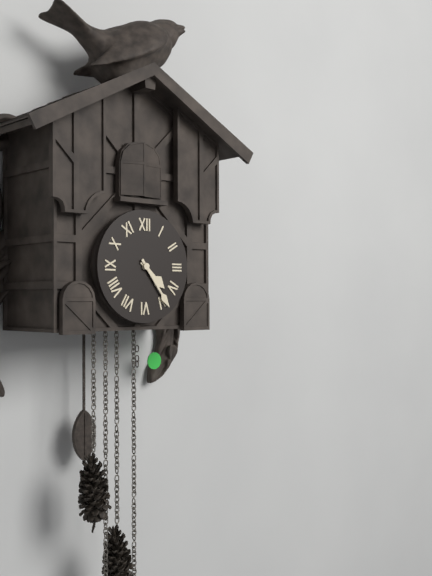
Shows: **4:24**
